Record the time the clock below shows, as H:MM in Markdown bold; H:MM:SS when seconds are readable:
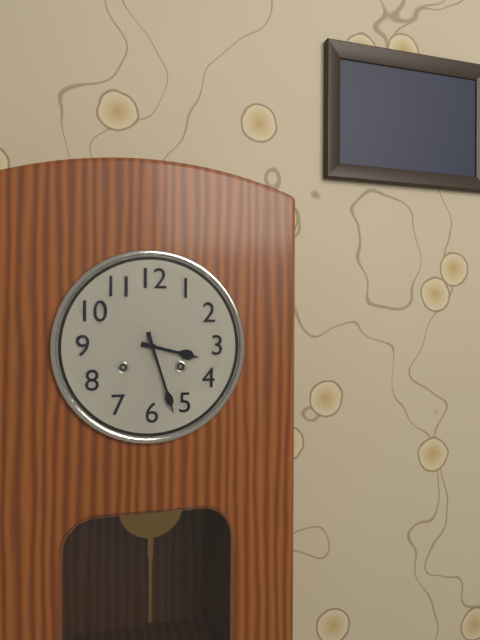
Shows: **3:27**
